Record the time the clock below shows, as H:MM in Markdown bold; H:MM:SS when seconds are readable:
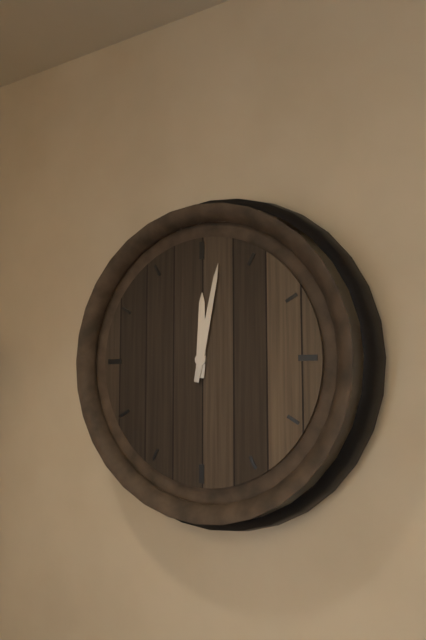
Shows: **12:02**
